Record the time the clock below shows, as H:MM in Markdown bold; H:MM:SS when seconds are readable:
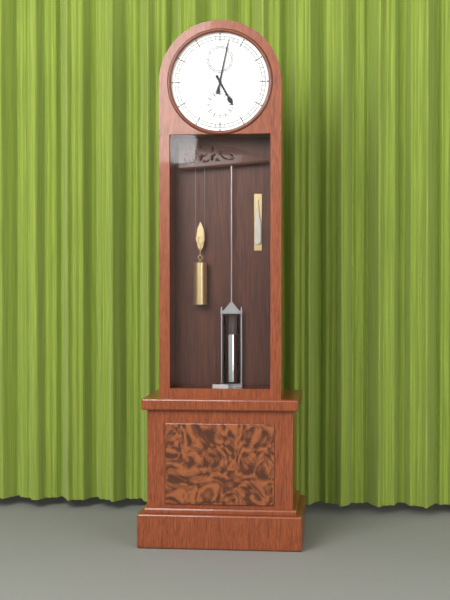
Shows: **5:02**
